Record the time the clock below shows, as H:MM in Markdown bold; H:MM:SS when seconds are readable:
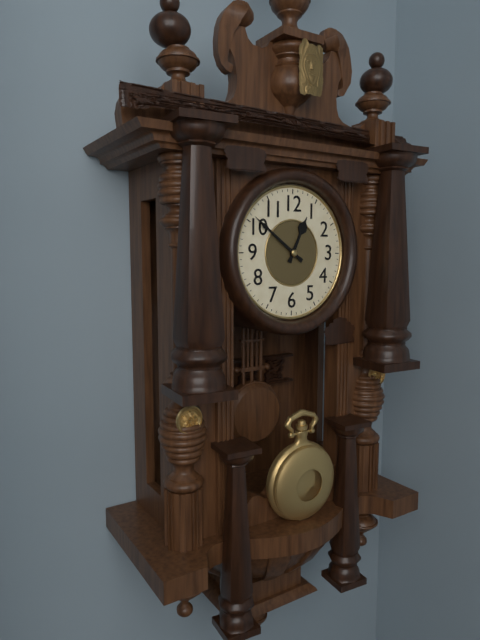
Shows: **12:51**
